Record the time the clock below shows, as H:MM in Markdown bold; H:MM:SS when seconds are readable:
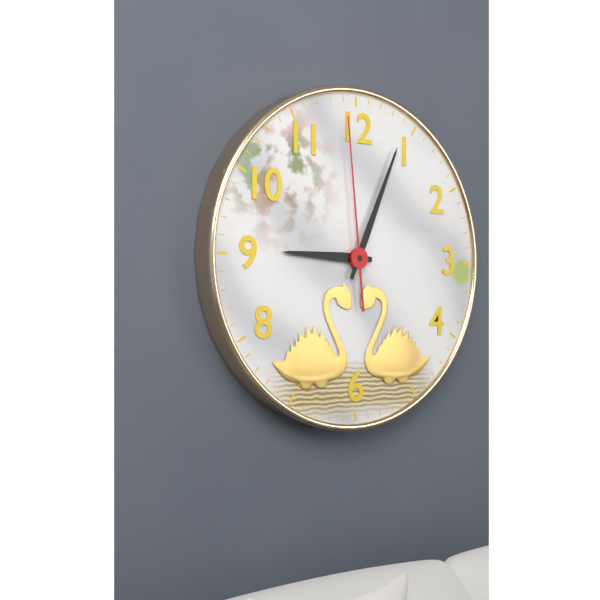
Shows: **9:04:59**
